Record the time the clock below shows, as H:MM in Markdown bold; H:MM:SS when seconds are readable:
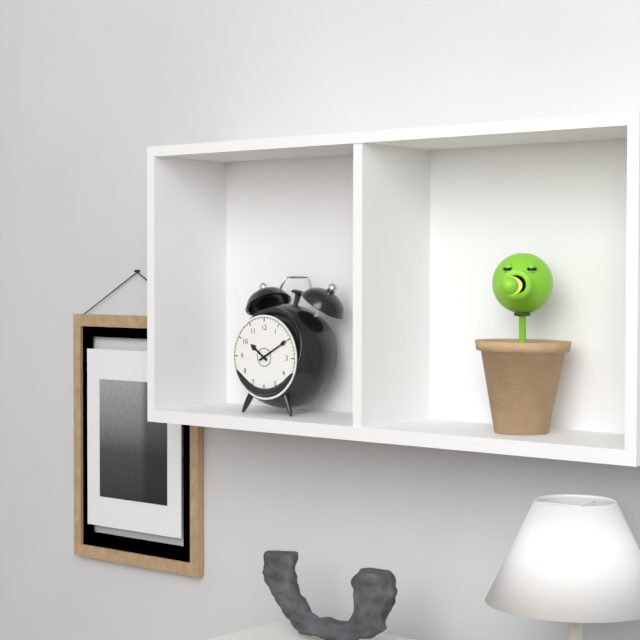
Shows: **10:10**
